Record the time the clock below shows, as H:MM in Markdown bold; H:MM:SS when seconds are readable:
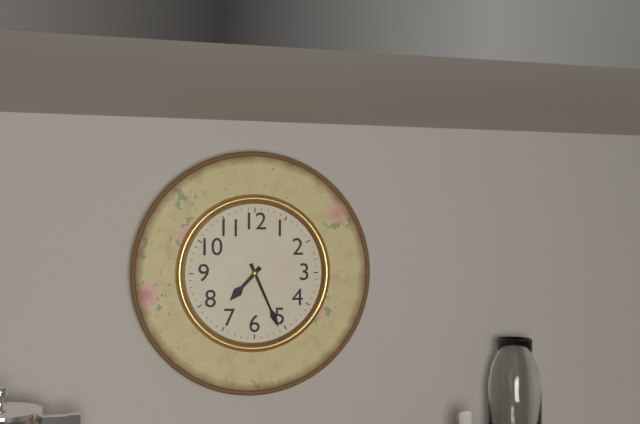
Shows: **7:26**
